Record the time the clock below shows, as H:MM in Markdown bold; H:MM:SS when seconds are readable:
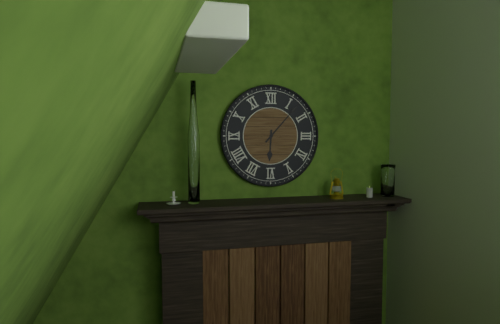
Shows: **6:07**
